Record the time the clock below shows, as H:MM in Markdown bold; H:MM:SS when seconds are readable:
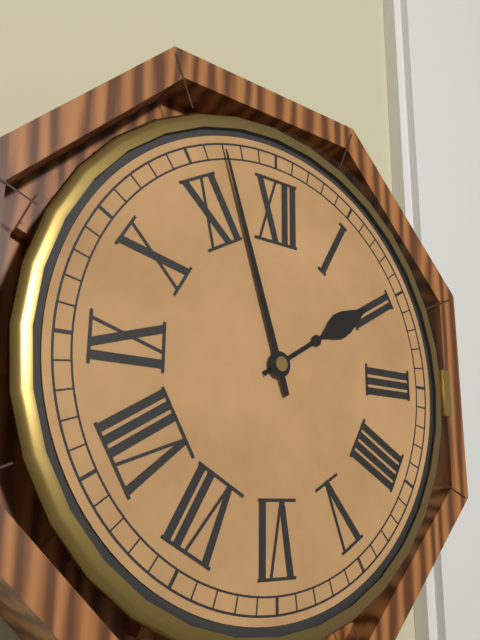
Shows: **1:57**
